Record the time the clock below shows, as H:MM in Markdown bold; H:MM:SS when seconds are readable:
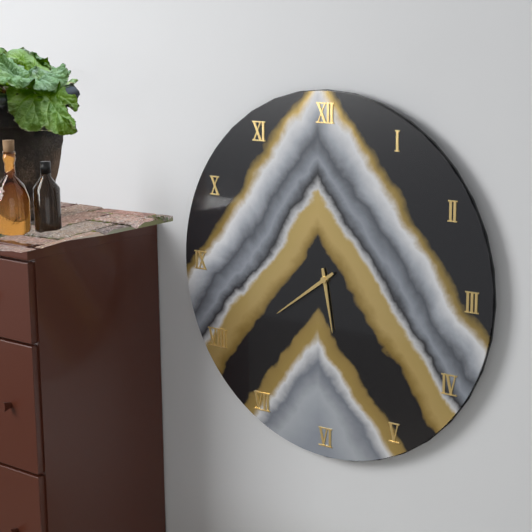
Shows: **5:39**
